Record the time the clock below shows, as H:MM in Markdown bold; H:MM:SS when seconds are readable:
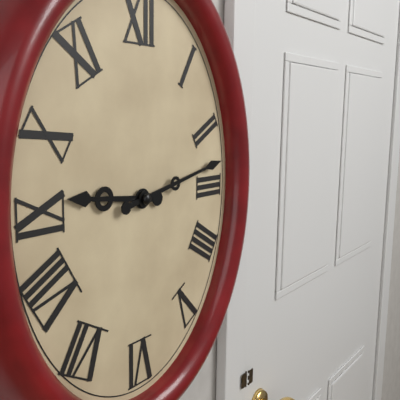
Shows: **9:13**
